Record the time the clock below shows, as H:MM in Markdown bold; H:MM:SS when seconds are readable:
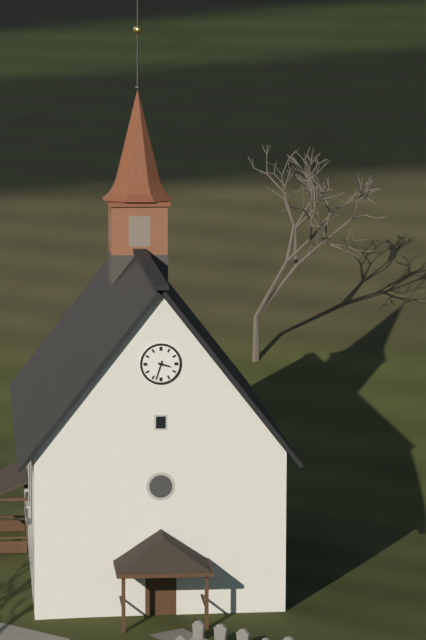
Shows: **3:33**
